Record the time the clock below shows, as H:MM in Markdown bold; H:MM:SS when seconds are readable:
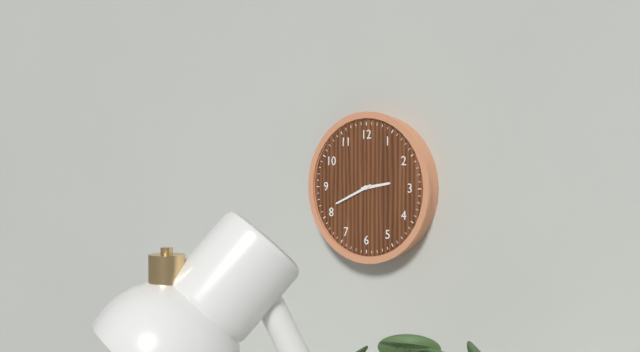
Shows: **2:41**
